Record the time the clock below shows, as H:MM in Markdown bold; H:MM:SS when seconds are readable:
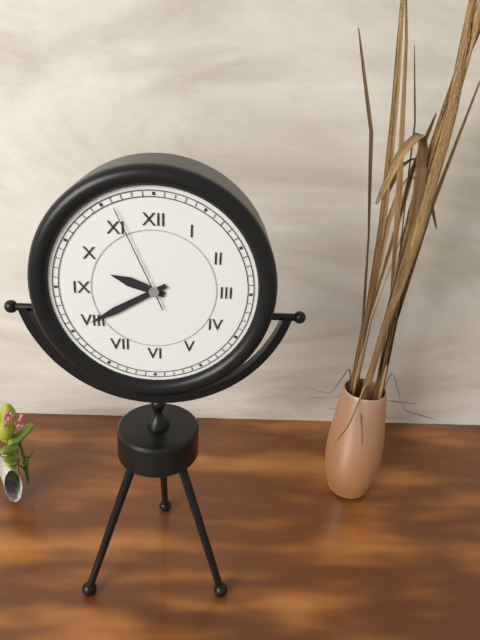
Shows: **9:40:56**
